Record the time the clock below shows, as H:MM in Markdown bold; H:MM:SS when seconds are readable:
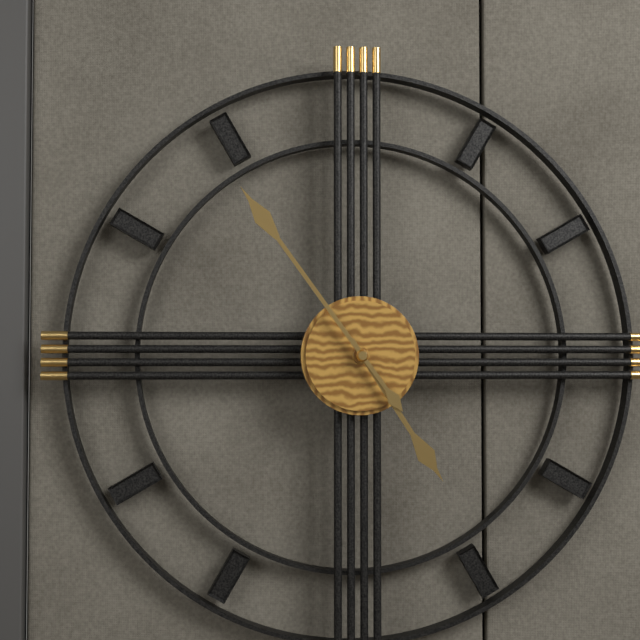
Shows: **4:54**
